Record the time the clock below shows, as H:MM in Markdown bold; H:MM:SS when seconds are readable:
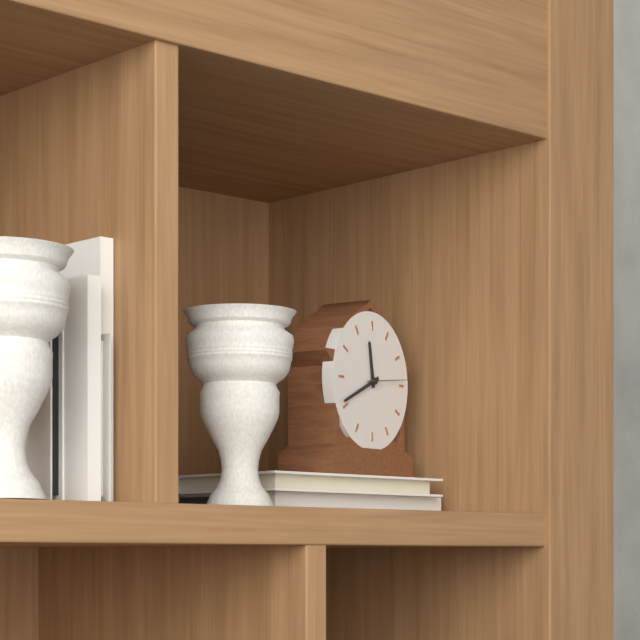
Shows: **11:41**
